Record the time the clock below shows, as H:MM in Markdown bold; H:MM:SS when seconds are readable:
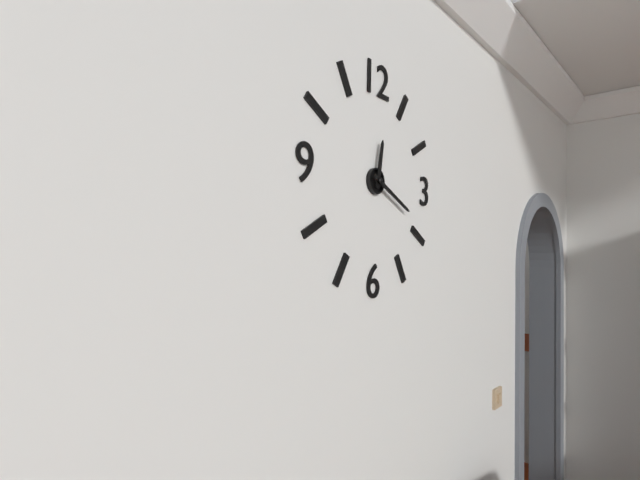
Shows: **12:19**
